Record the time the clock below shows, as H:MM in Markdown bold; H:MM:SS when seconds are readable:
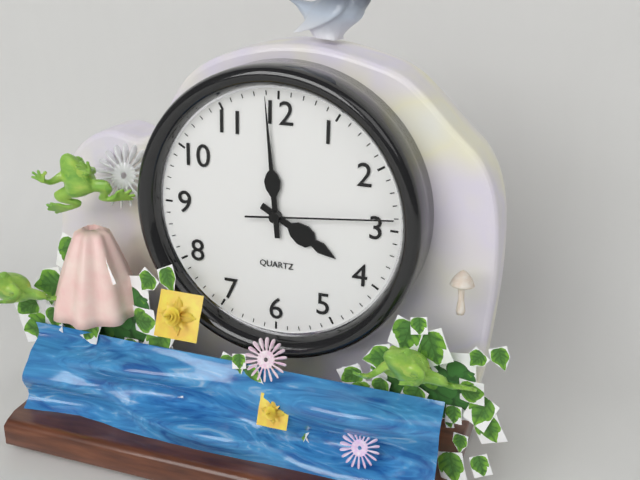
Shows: **3:59:14**
